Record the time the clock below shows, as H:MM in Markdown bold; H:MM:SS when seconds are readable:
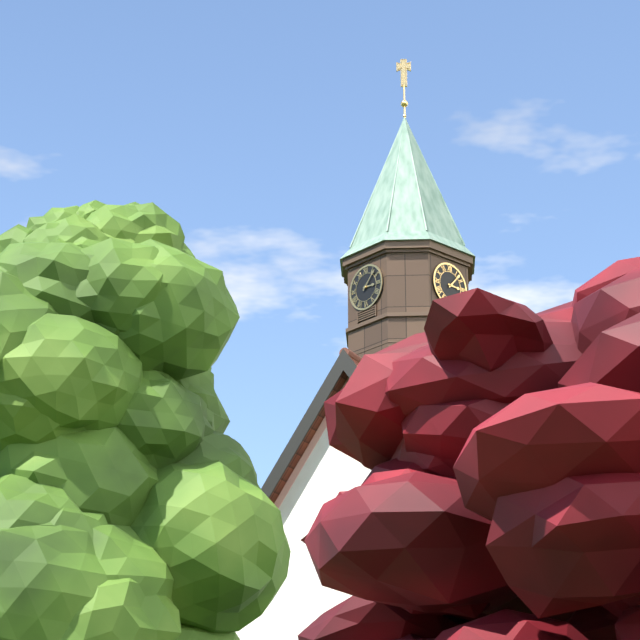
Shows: **3:07**
